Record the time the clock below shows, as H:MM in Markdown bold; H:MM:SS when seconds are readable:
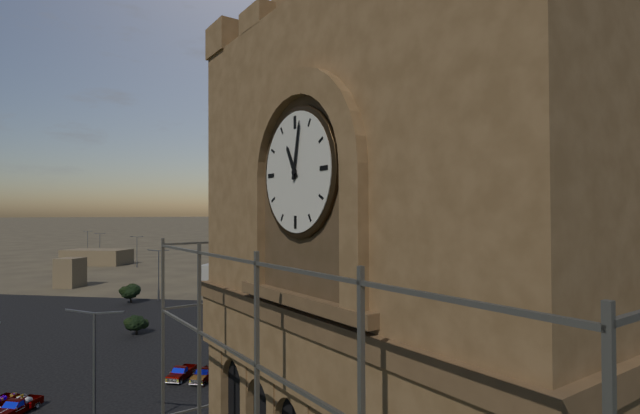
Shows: **11:02**
